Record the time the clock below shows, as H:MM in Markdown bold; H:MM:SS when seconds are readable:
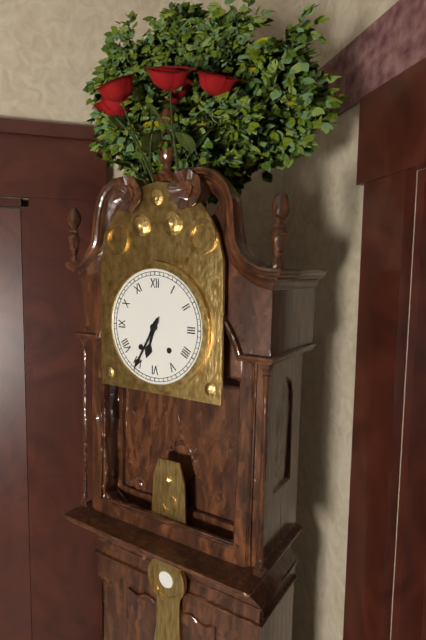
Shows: **6:35**
